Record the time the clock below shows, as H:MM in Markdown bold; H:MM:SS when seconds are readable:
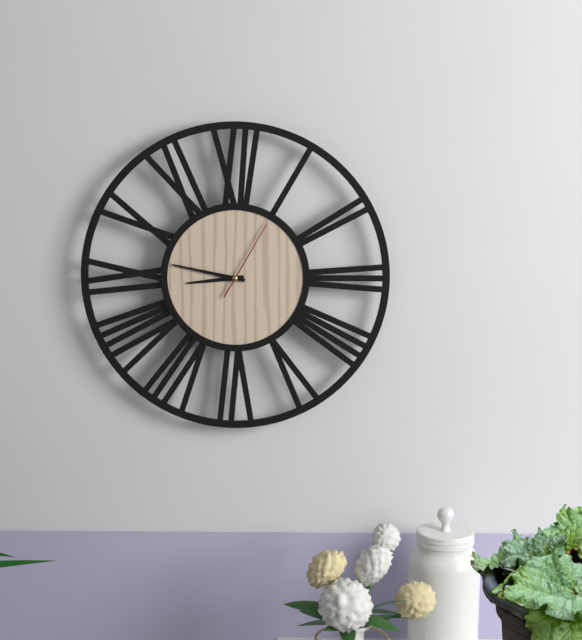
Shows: **8:47:05**
